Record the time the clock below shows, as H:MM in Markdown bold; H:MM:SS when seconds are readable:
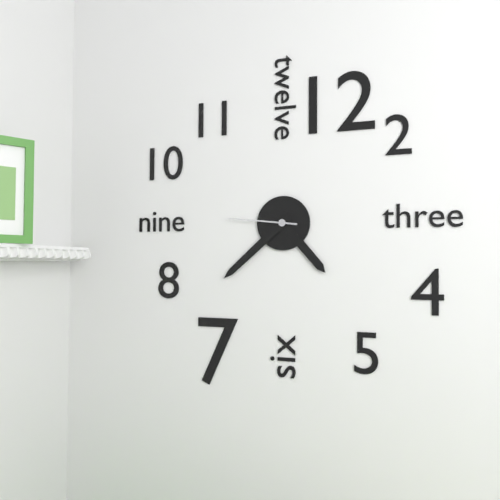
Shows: **4:38:46**
